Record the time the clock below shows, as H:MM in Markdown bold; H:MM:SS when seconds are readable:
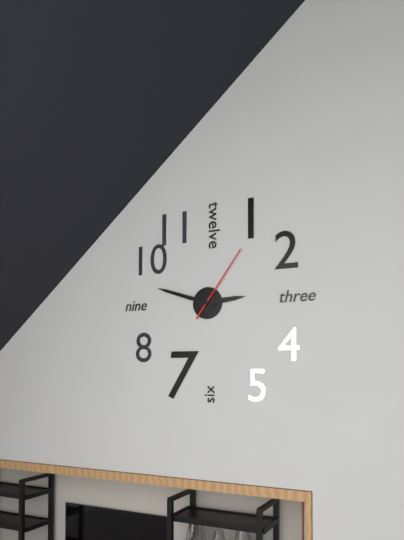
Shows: **2:48:06**
